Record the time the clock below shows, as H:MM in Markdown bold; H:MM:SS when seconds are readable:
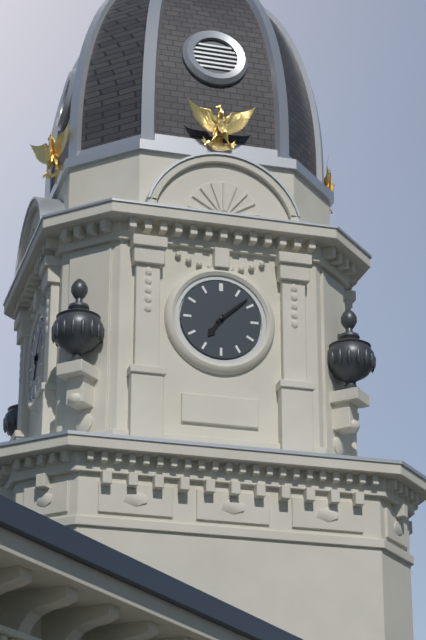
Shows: **7:08**
